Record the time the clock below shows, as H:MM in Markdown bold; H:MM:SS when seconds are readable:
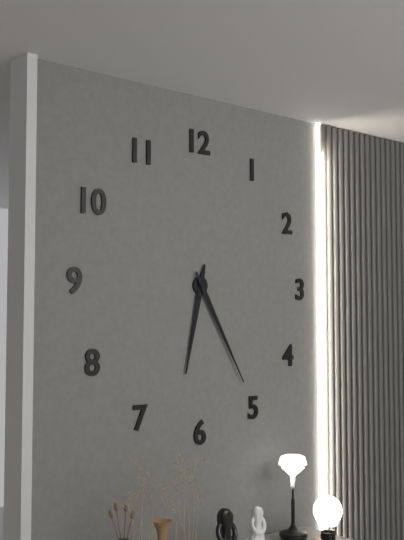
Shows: **6:25**
